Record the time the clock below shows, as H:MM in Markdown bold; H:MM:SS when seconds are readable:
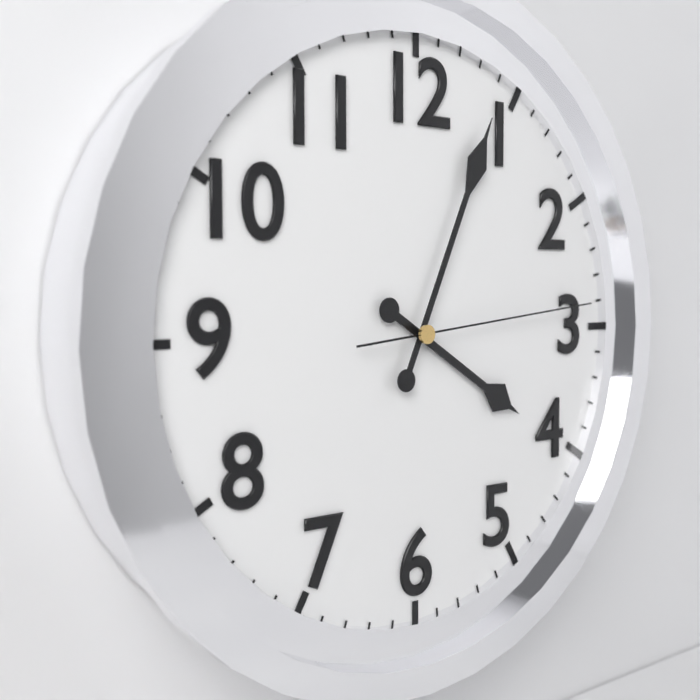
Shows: **4:04:14**
